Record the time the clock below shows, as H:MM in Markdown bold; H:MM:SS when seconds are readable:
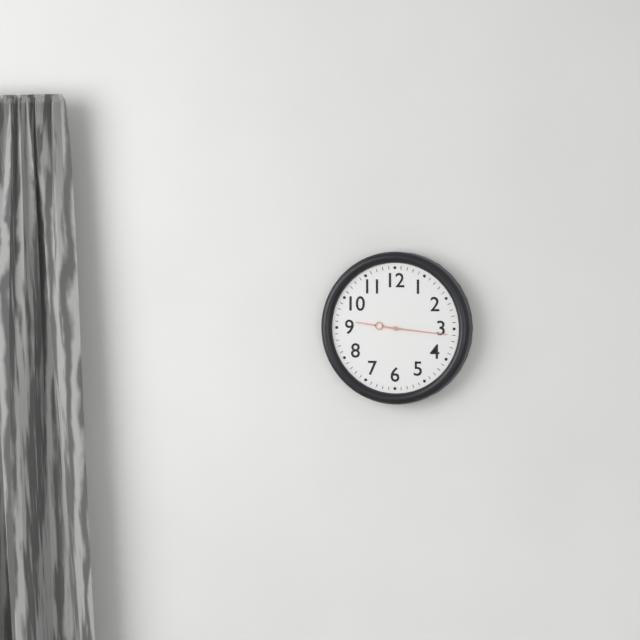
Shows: **9:16**
